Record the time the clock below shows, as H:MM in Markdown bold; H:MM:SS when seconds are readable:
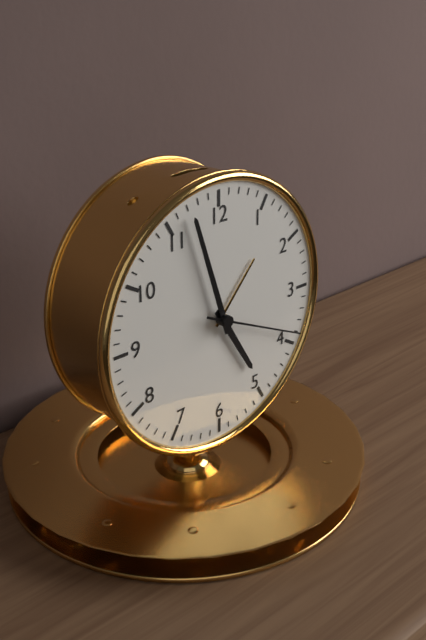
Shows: **4:57:19**
